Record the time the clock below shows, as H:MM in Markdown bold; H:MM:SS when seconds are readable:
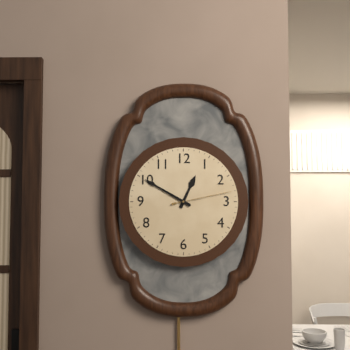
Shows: **12:50:13**
